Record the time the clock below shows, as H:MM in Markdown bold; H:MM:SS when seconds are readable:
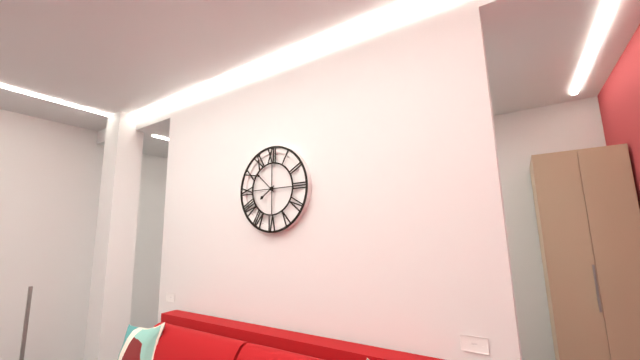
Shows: **7:52**
